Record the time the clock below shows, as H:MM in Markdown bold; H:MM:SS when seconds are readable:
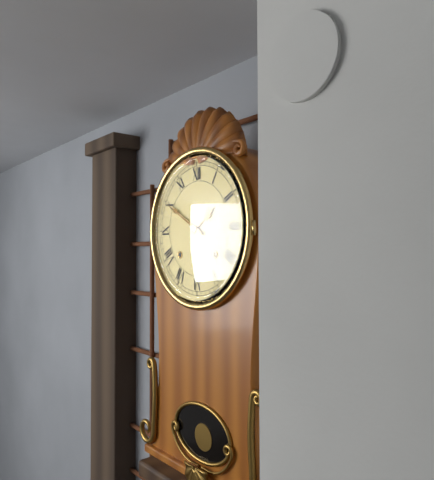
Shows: **1:50**
